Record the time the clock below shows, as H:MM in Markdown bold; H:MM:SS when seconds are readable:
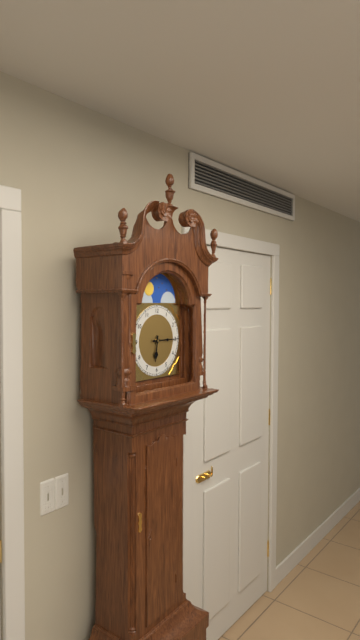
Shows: **6:15**
